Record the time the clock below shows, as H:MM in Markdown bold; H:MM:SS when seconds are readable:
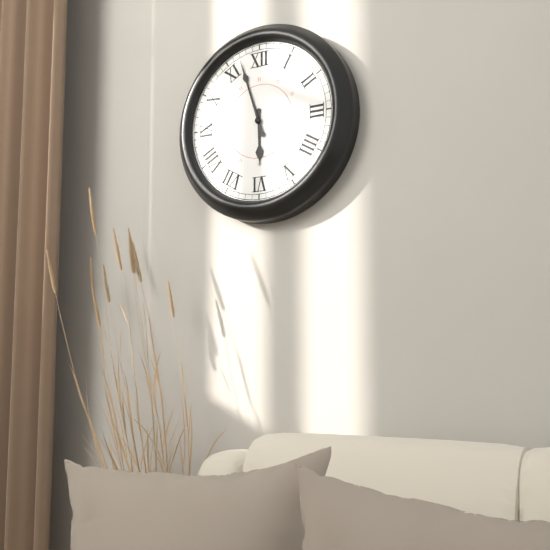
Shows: **5:57**
